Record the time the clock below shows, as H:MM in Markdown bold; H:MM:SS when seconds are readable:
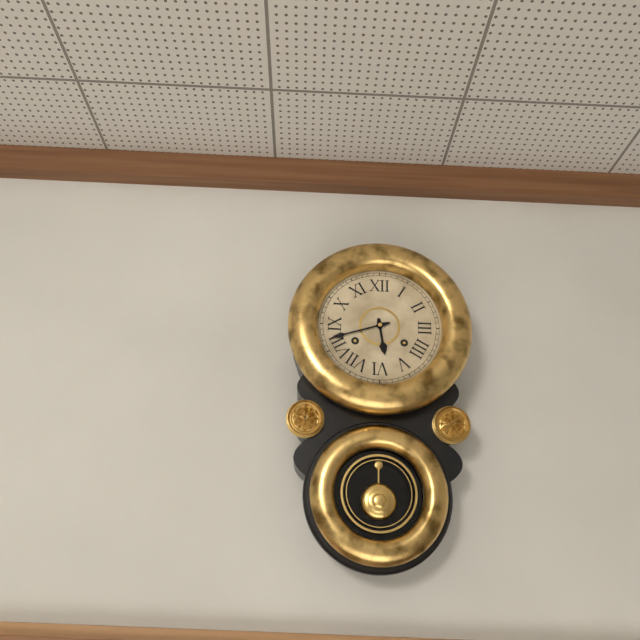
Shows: **5:42**
